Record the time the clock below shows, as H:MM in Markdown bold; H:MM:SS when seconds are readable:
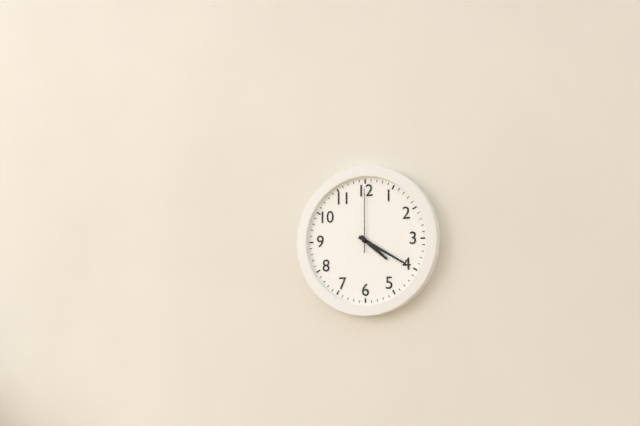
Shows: **4:20:00**
